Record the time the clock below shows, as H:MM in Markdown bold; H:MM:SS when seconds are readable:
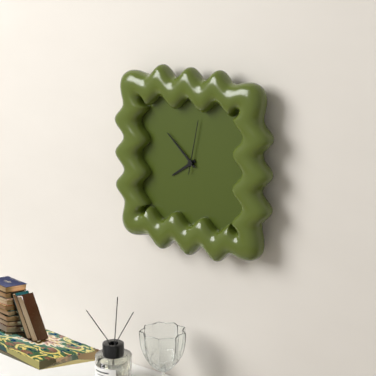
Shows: **7:52:02**
